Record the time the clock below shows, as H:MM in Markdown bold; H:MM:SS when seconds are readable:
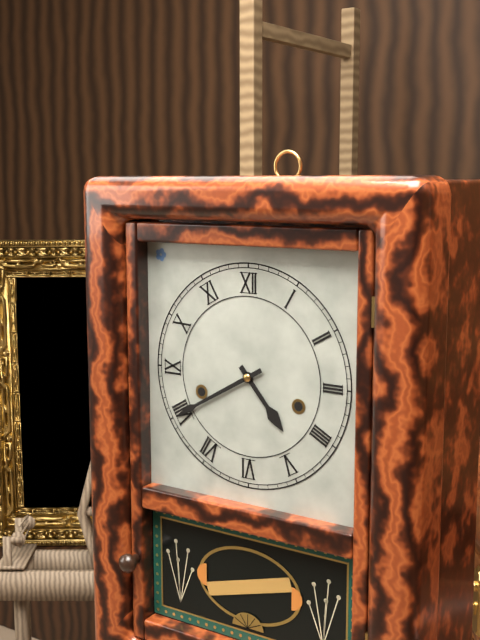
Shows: **4:40**
